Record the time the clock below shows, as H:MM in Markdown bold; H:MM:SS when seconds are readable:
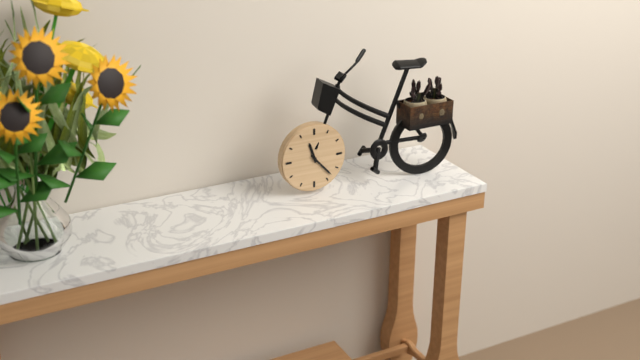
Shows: **11:23**
